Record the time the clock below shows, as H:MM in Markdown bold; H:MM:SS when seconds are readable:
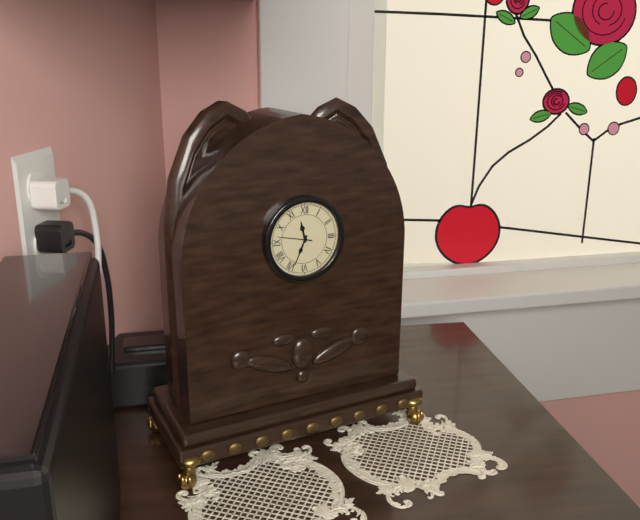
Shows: **11:34**
